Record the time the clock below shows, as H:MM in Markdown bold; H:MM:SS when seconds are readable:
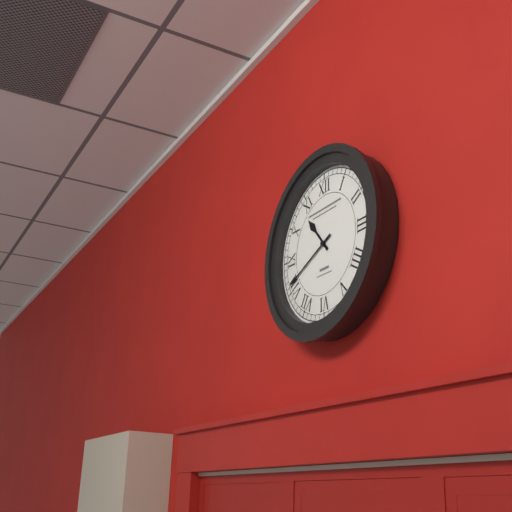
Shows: **10:41**
